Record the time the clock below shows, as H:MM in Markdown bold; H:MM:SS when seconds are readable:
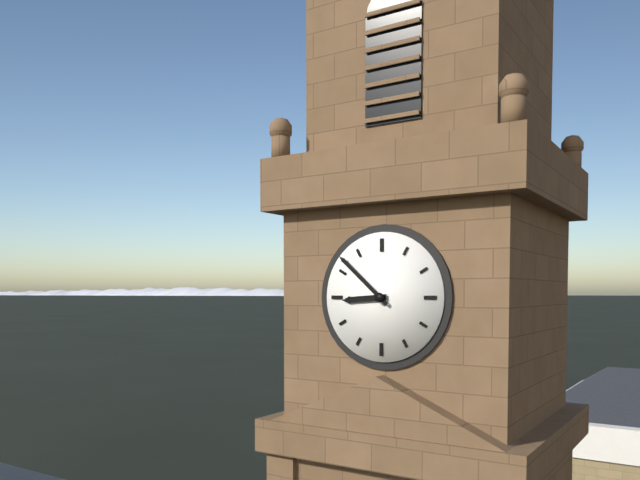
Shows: **8:52**
